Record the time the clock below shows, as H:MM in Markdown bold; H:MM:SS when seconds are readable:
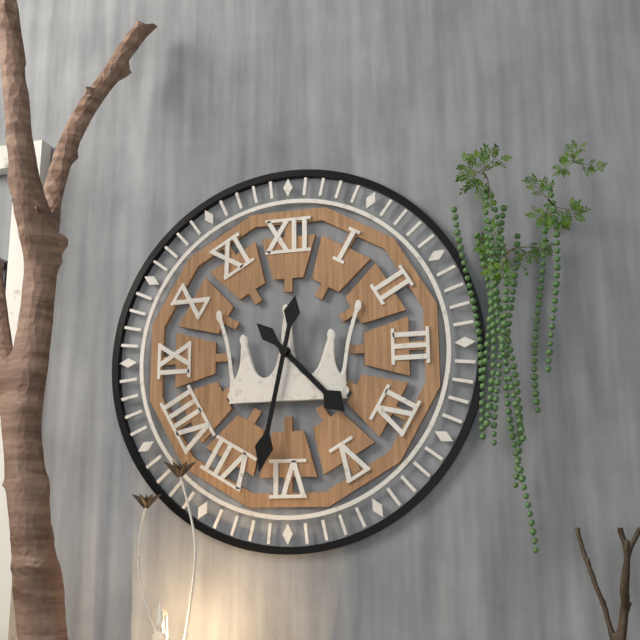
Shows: **4:32**
